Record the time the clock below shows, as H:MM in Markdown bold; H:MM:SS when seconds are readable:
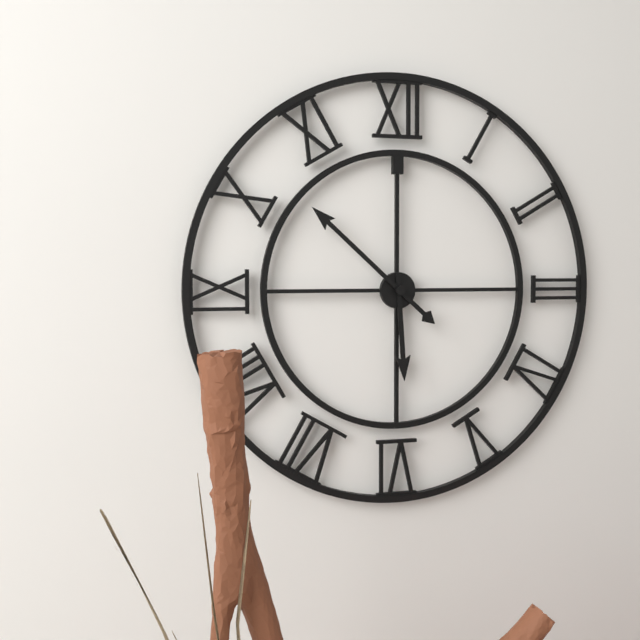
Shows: **5:52**
